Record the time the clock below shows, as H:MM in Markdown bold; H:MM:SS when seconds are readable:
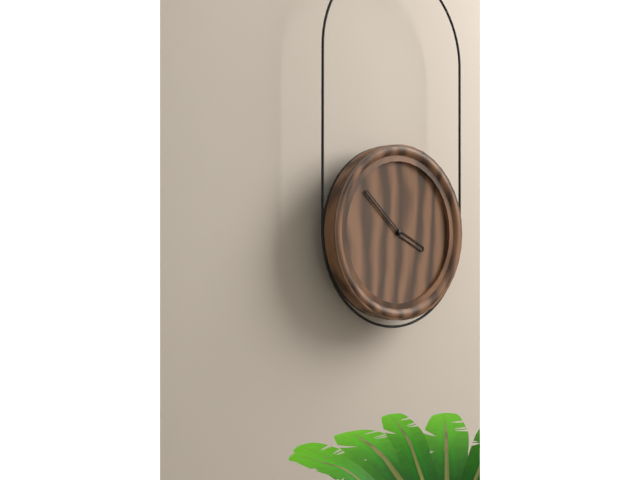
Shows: **3:52**
